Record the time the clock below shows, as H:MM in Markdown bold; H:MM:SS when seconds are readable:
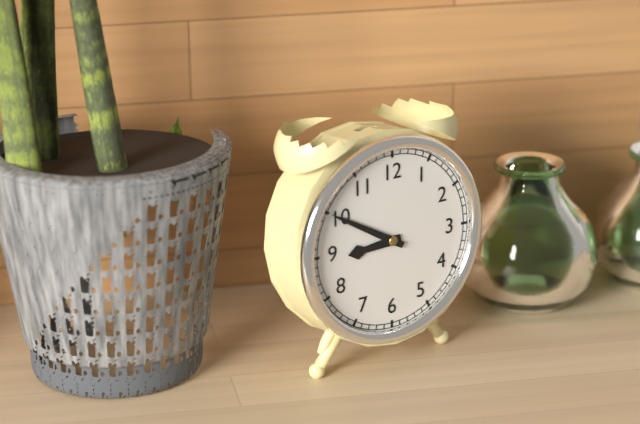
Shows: **8:50**
